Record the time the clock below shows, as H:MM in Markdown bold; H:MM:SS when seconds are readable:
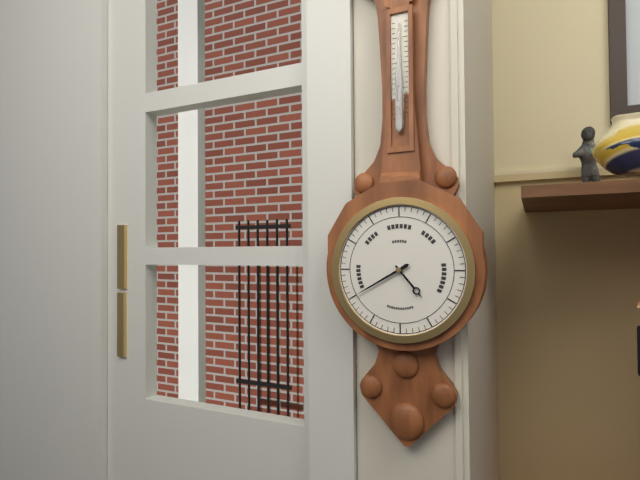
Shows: **4:40**
